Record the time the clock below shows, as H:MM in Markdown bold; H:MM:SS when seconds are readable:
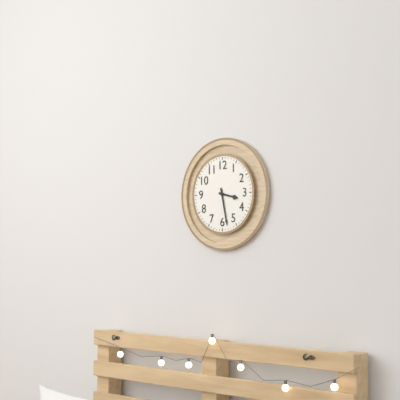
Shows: **3:28**
